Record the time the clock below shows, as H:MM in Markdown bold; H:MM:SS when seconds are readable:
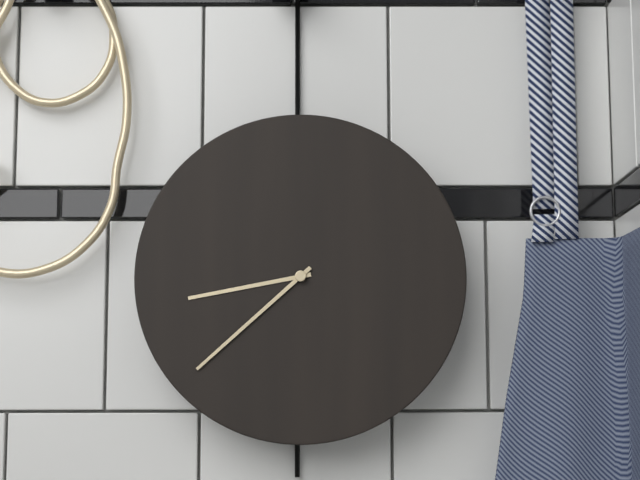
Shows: **8:38**
